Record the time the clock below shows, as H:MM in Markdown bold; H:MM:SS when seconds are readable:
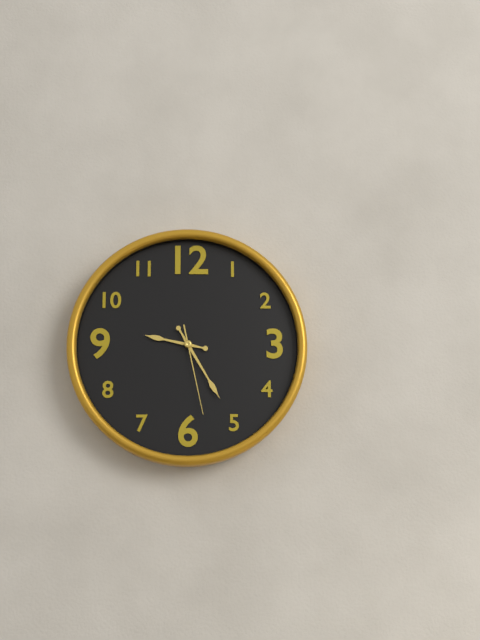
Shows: **9:25:28**
